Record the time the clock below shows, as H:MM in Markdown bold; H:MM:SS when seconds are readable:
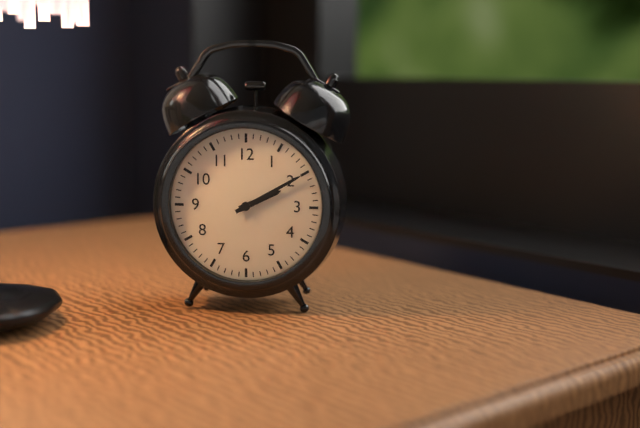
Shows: **2:10**
